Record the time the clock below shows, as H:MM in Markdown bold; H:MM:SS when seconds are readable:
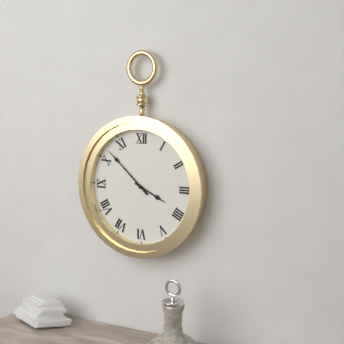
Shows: **3:52**
